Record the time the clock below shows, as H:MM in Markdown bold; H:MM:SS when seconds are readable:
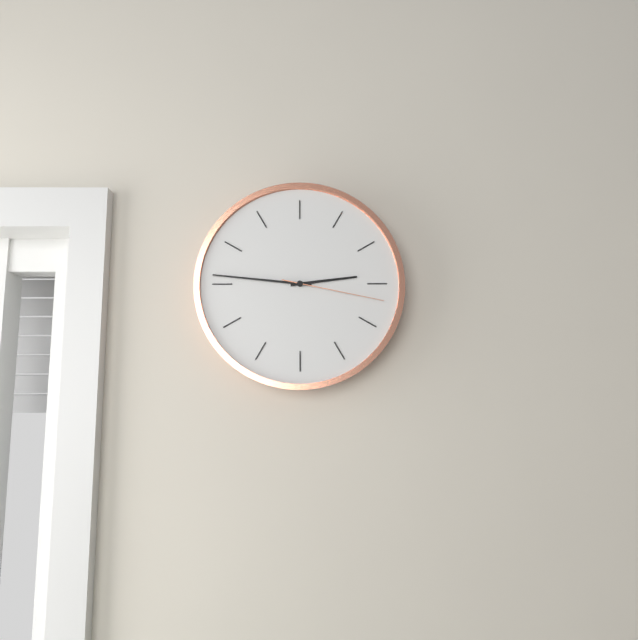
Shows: **2:46:17**
